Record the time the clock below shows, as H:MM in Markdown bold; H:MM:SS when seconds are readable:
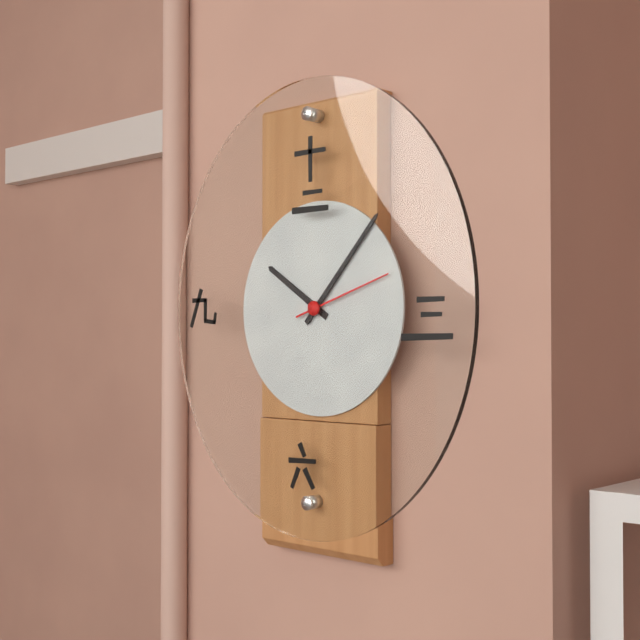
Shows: **10:07:12**
